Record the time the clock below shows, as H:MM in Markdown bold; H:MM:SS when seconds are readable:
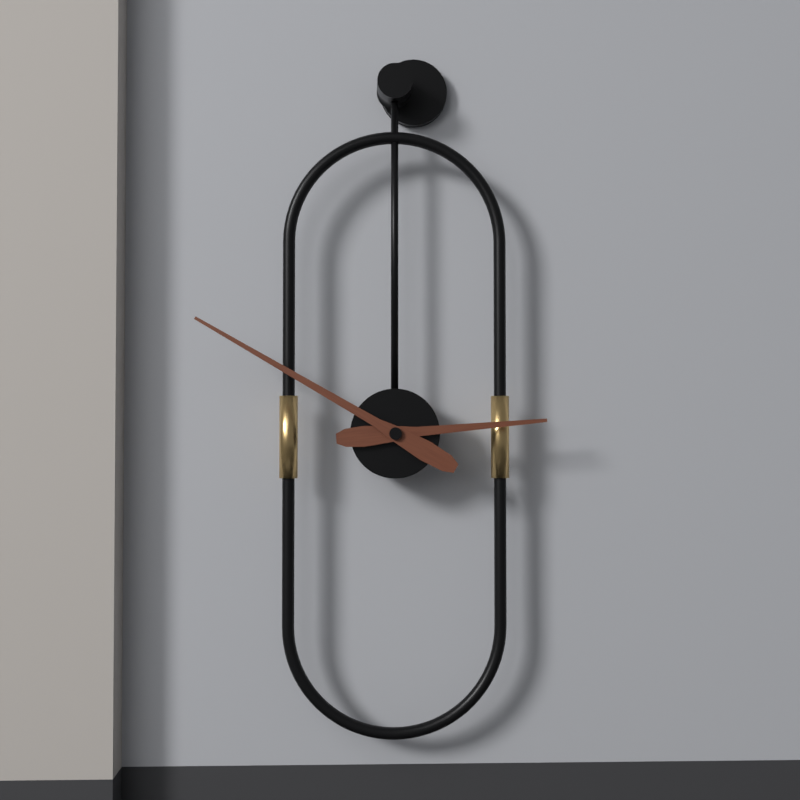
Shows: **2:50**
